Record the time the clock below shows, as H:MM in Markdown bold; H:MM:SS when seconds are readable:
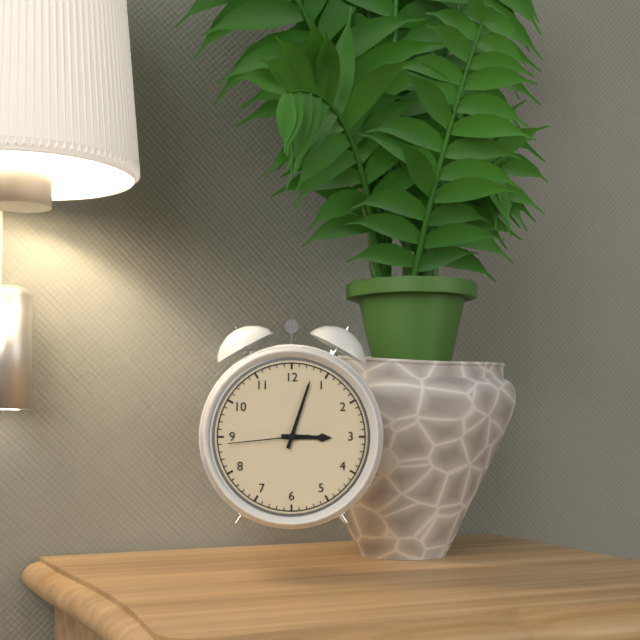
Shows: **3:03:44**
